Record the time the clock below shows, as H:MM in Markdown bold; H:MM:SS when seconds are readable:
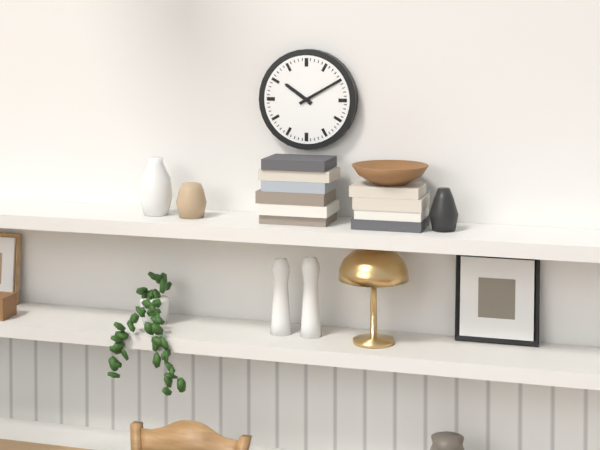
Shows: **10:10**
